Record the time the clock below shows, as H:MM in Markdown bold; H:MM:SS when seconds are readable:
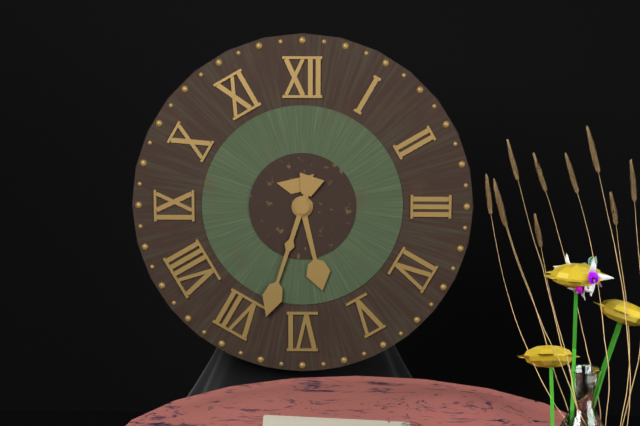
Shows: **5:33**
